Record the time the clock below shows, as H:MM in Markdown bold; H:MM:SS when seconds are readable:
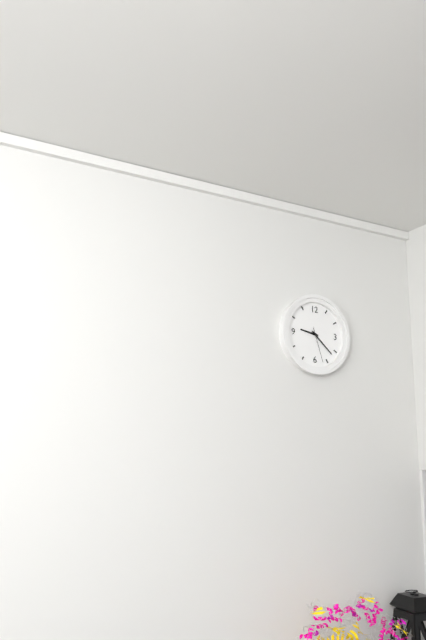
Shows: **9:22**
